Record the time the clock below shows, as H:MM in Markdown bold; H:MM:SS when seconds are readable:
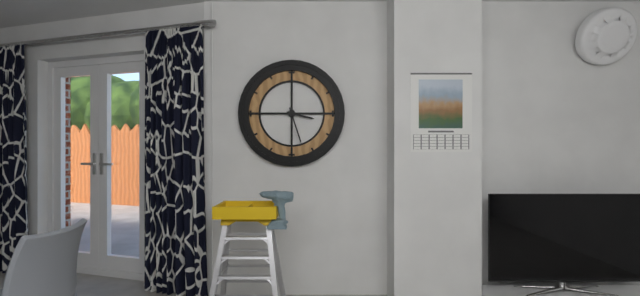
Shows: **3:27**
